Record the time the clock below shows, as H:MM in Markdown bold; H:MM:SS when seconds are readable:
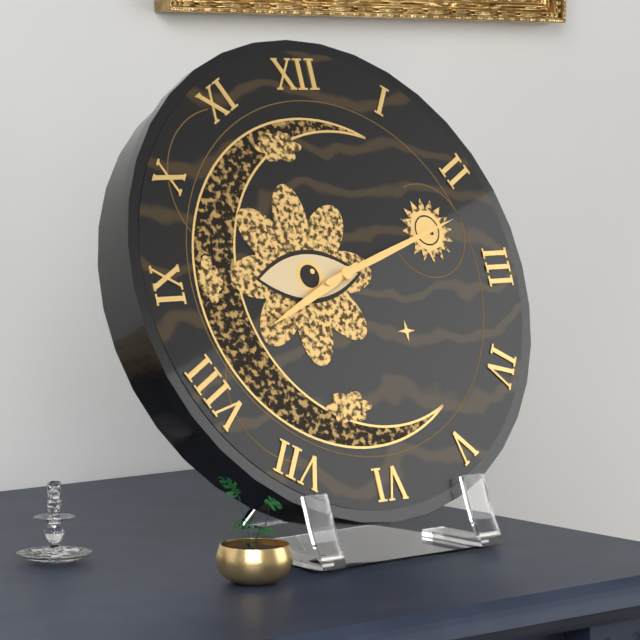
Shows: **8:12**
